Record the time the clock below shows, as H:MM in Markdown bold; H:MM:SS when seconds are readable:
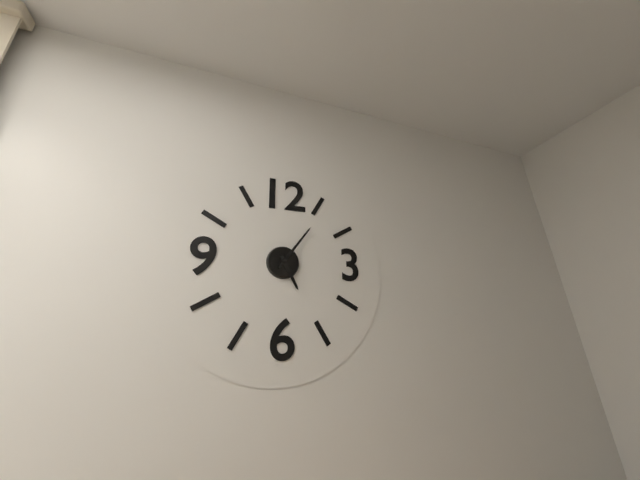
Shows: **5:06**
